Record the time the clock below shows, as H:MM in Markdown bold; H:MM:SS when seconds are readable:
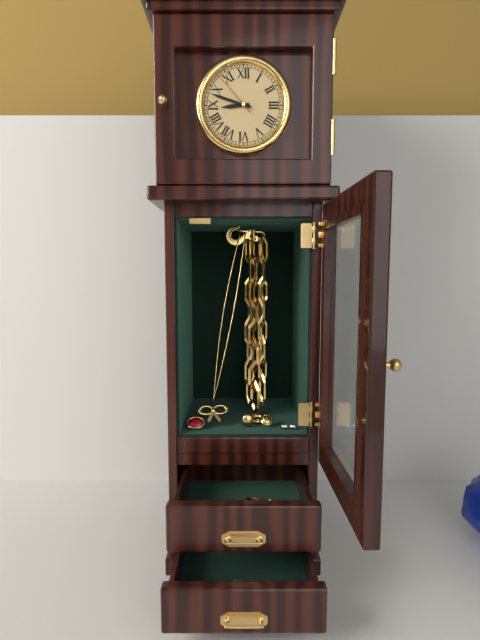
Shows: **8:48:53**
